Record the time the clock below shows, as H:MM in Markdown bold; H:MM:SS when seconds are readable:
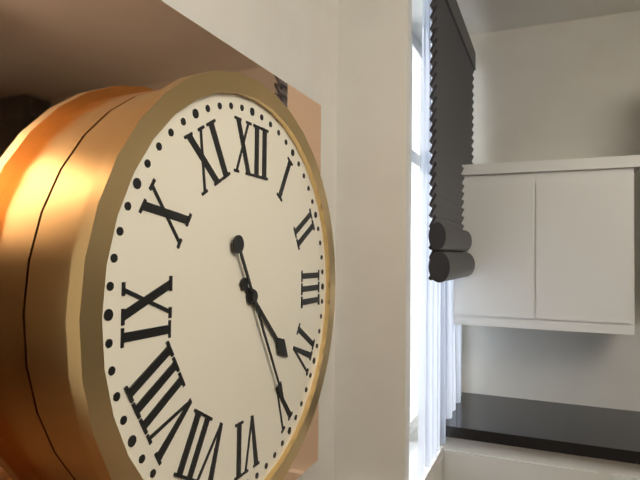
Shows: **4:25**
